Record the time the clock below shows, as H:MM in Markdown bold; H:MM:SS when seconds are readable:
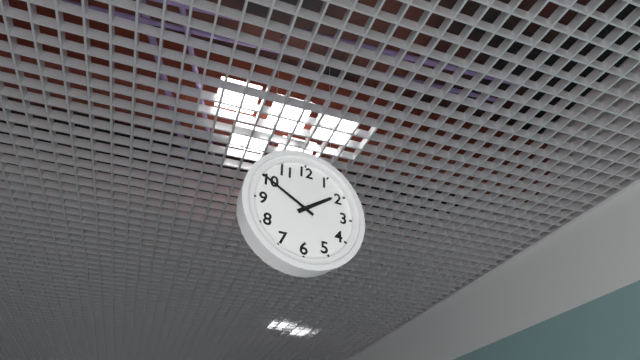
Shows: **1:50**
